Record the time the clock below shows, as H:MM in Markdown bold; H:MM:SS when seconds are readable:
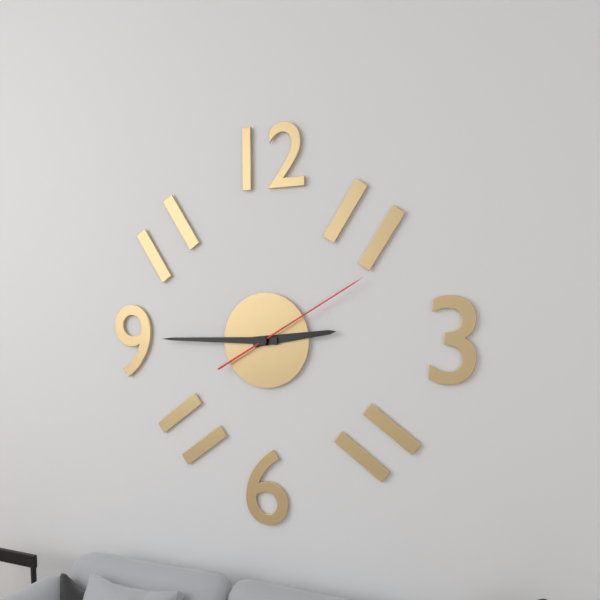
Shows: **2:45:10**
